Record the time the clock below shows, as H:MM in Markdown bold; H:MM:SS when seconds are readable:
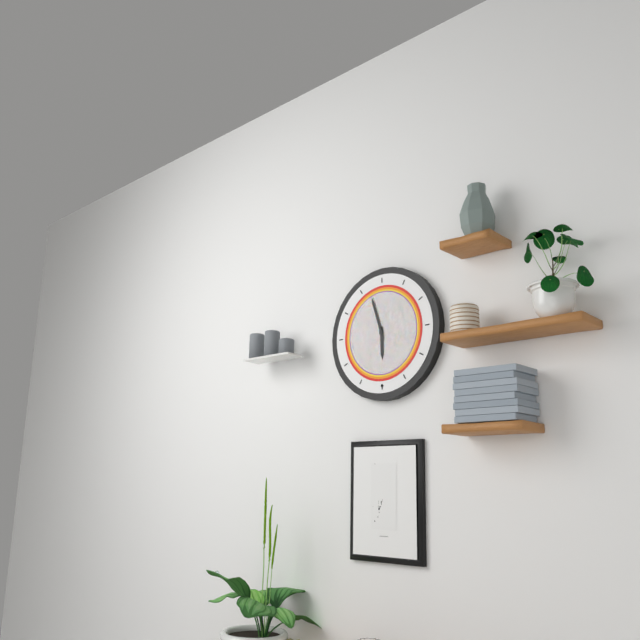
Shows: **5:57**
